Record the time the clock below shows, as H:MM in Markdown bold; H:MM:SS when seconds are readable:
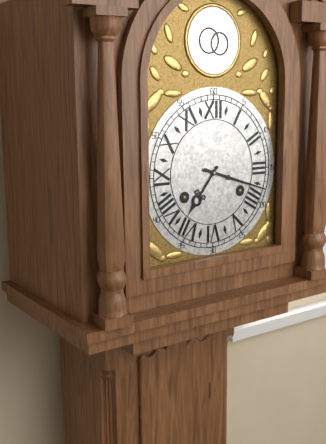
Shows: **7:18**
